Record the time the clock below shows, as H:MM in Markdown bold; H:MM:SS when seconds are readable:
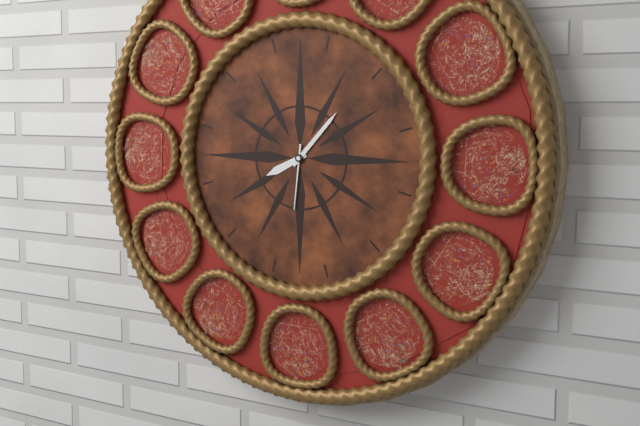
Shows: **8:07:31**
